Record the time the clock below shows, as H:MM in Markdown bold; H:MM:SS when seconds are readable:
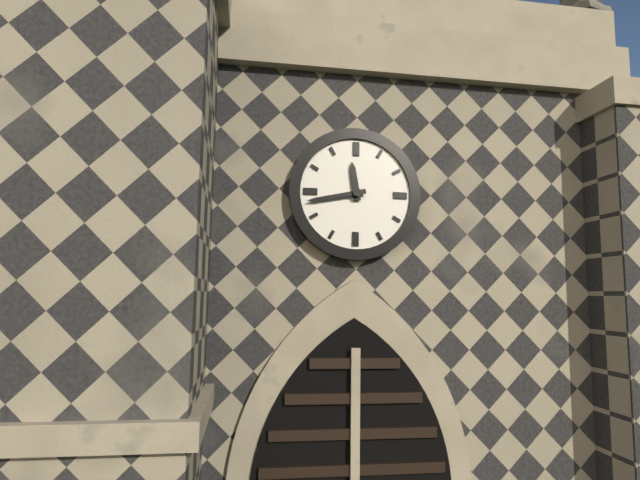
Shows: **11:43**
